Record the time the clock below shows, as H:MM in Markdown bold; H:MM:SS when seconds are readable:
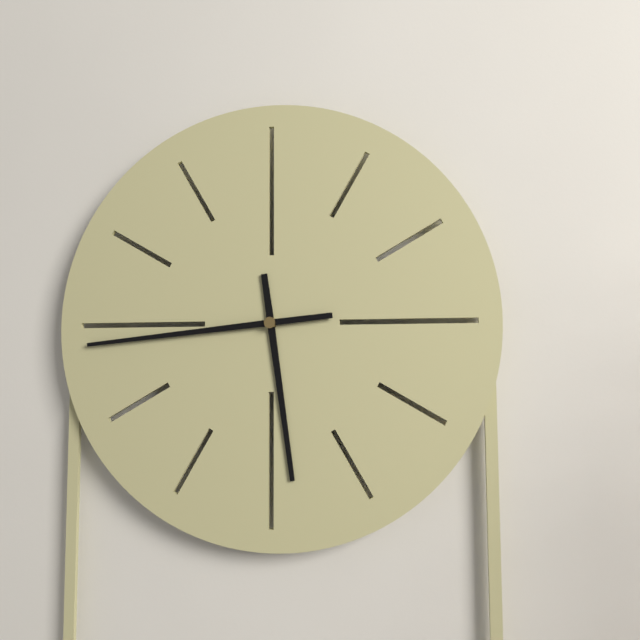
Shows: **5:44**
